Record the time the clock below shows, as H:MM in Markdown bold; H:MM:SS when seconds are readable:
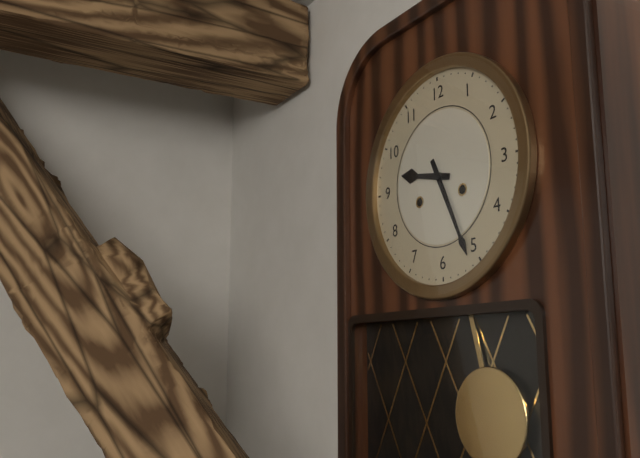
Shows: **9:26**
